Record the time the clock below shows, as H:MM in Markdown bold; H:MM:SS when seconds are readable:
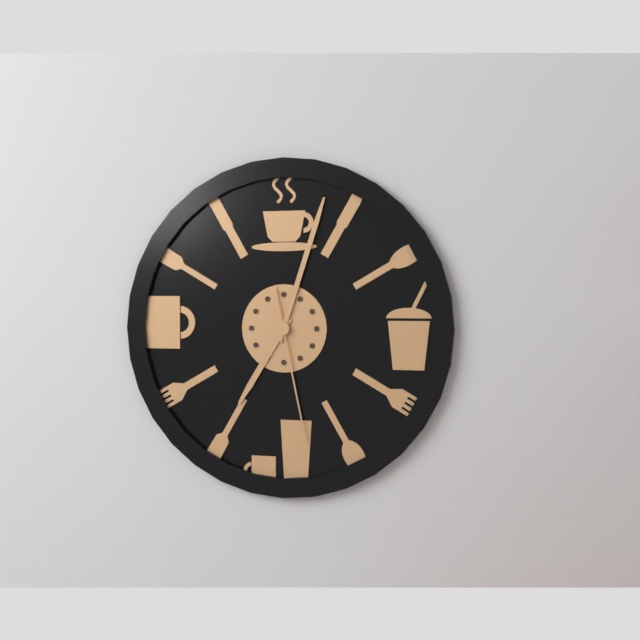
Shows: **7:03:28**
